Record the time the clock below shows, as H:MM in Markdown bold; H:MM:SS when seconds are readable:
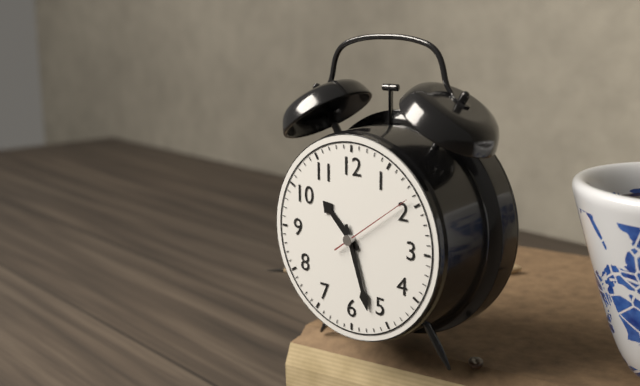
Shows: **10:27:09**
